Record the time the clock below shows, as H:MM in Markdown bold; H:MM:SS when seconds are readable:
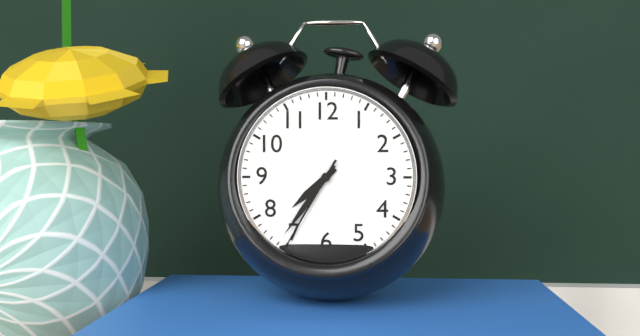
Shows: **7:36:35**
